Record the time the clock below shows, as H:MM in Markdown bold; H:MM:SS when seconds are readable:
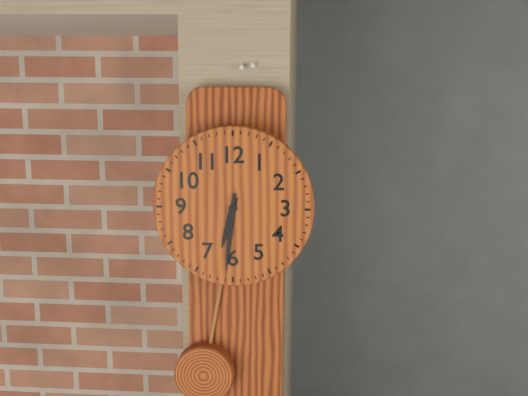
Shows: **6:31**
